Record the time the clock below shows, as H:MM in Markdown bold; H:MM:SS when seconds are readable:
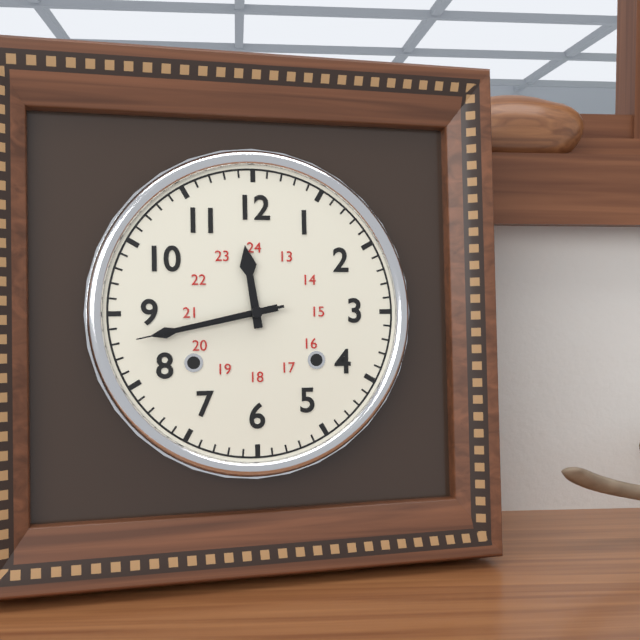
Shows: **11:43:43**
